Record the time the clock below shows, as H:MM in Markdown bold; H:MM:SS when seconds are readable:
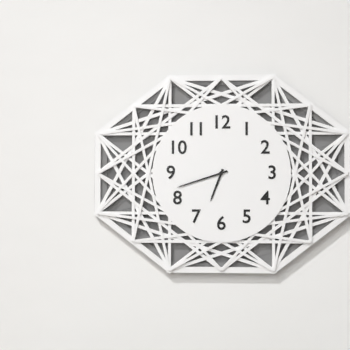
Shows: **6:42**
